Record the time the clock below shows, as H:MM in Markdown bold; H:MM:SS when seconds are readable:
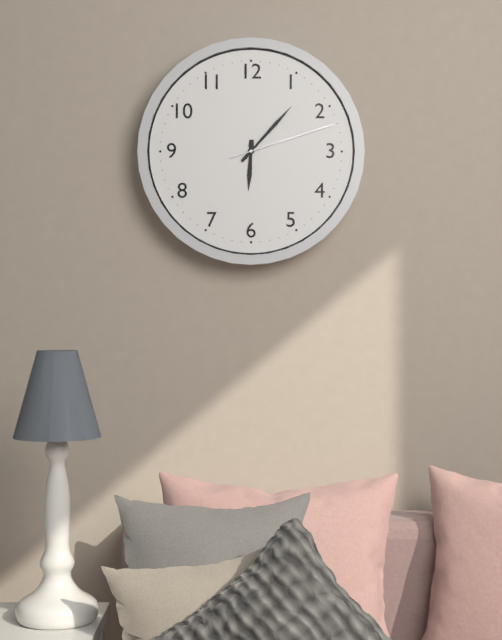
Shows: **6:07:12**
